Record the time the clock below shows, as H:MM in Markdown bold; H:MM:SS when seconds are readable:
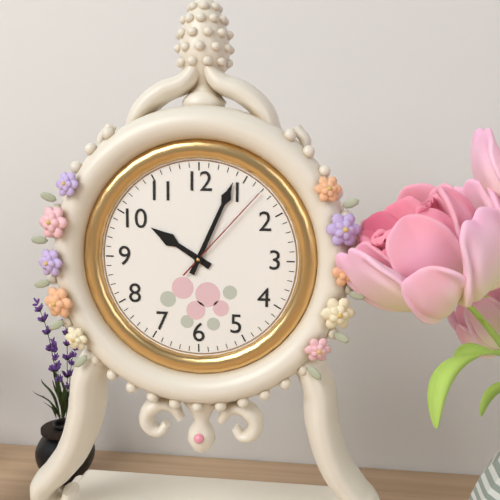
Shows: **10:04:07**
